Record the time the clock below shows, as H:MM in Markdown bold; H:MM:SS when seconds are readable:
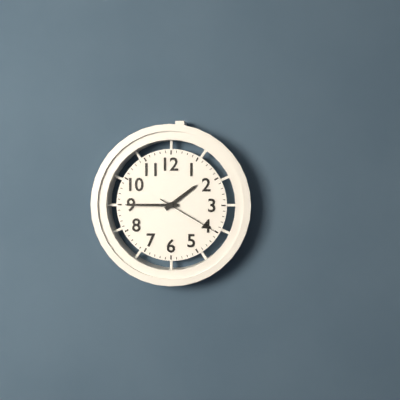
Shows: **1:45:20**
